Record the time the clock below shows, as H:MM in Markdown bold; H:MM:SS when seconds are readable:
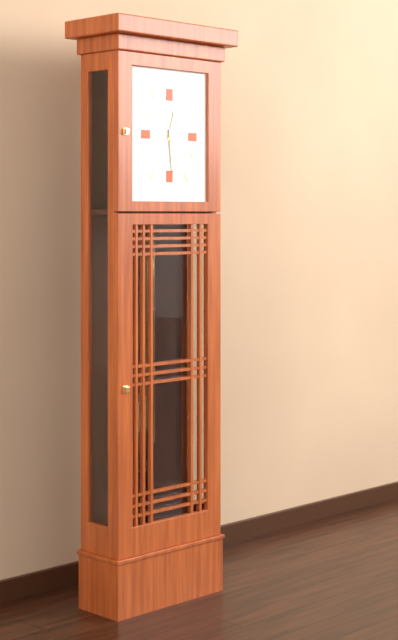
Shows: **12:29**
